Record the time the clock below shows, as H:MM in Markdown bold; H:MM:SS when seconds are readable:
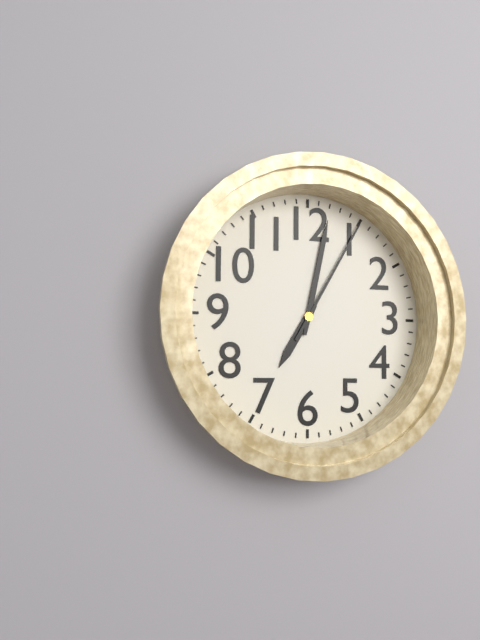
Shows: **7:02:05**
